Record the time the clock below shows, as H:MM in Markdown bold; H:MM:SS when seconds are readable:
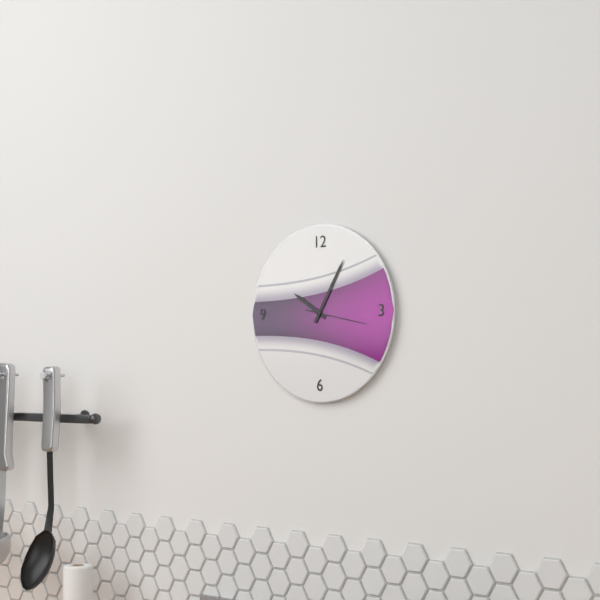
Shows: **10:05:17**
